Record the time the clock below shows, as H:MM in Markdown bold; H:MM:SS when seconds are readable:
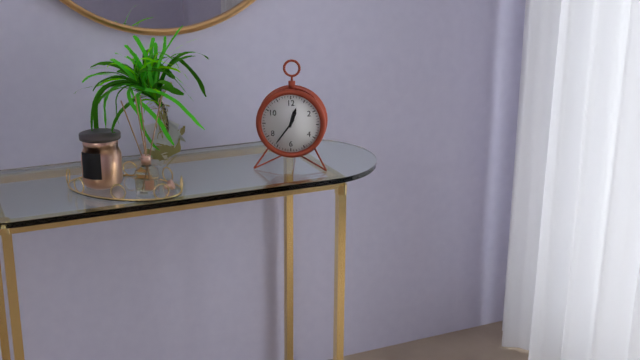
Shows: **12:36**
